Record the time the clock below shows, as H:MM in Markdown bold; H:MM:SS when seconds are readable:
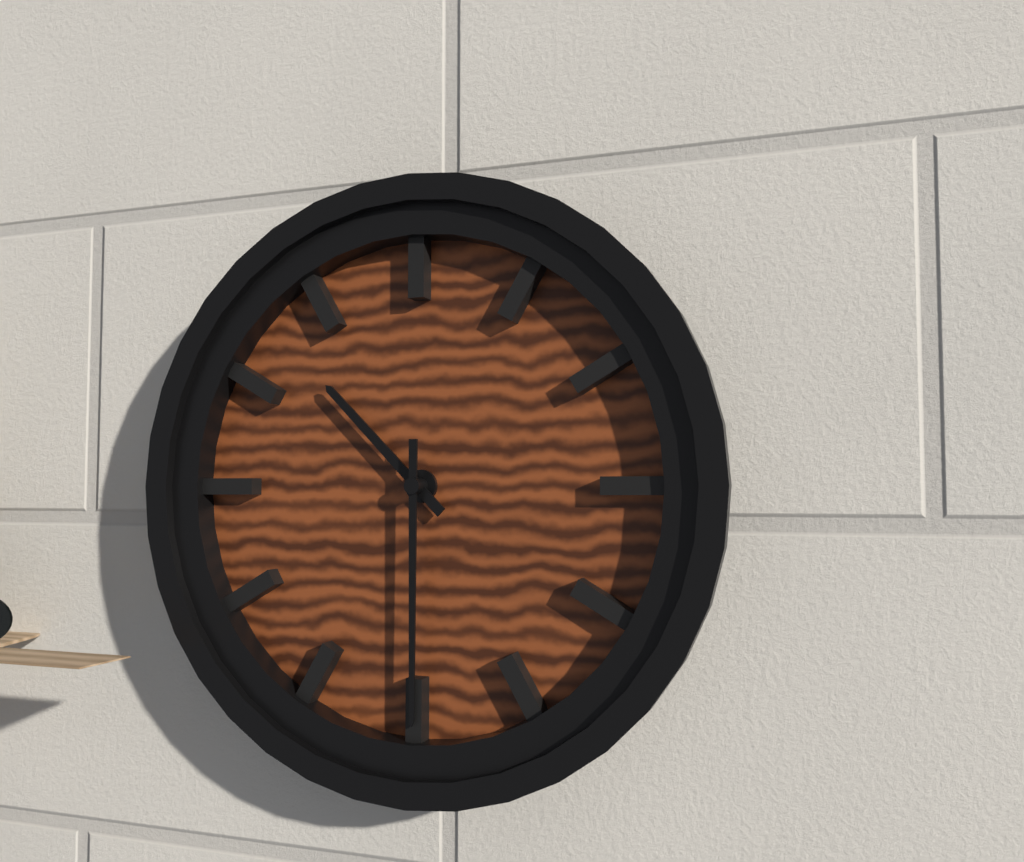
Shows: **10:30**
